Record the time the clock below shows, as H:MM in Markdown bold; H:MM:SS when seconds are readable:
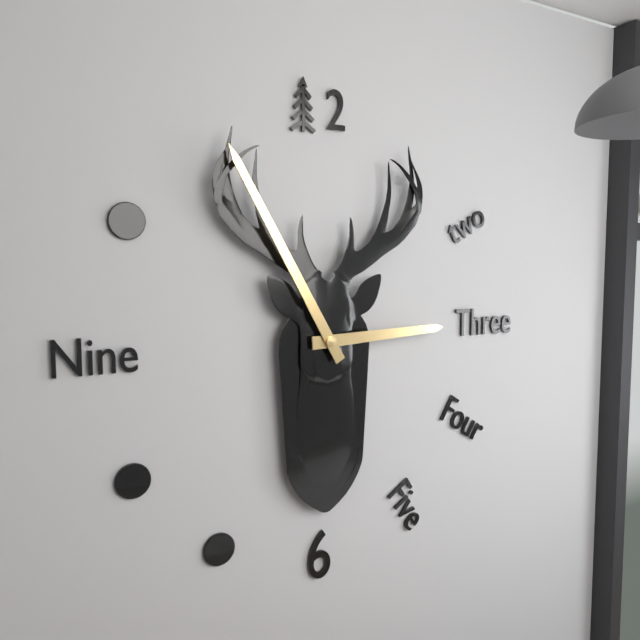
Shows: **2:55**
